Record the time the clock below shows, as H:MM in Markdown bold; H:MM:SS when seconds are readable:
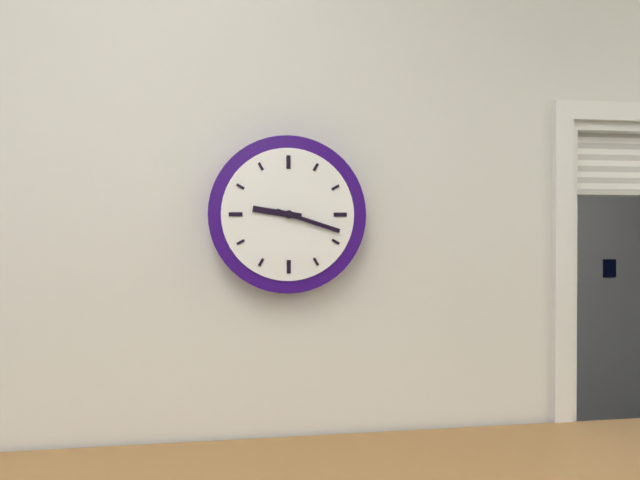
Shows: **9:18**
